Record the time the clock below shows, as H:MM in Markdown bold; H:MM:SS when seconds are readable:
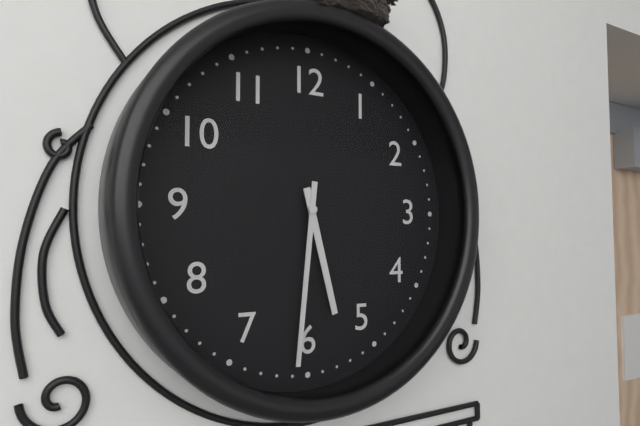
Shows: **5:31**
